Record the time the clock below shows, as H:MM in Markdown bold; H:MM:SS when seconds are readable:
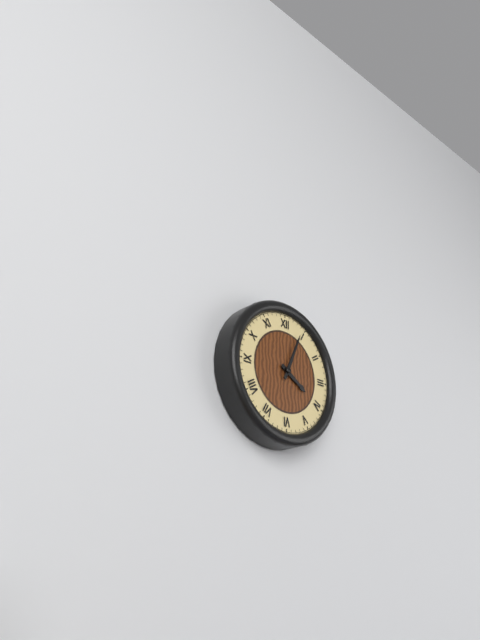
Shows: **4:04**
